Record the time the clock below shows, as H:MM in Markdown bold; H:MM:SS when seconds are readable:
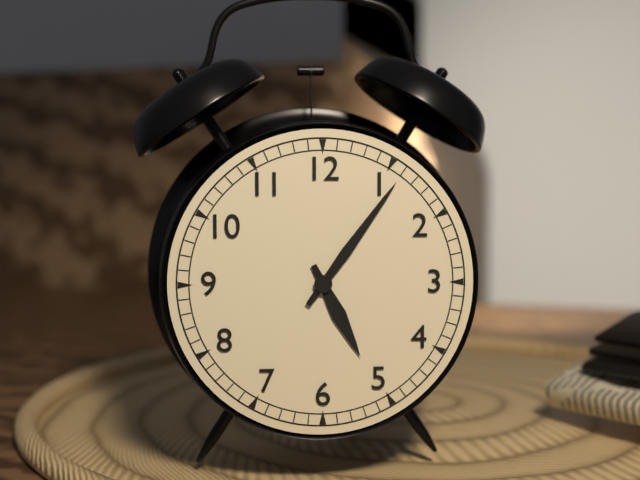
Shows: **5:06**
